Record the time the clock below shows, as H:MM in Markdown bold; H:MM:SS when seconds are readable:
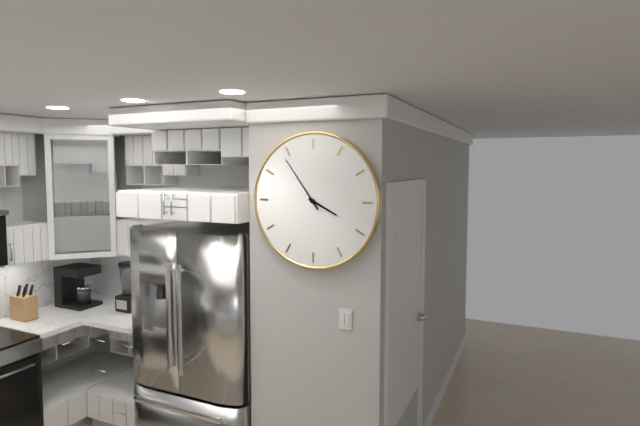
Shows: **3:54**
